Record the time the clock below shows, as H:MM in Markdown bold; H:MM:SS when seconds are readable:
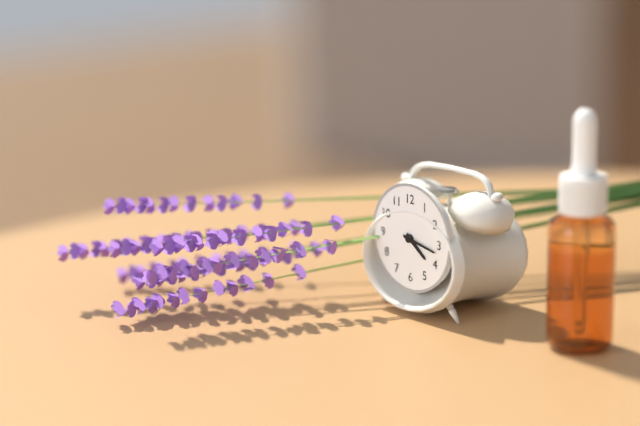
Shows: **4:17**
